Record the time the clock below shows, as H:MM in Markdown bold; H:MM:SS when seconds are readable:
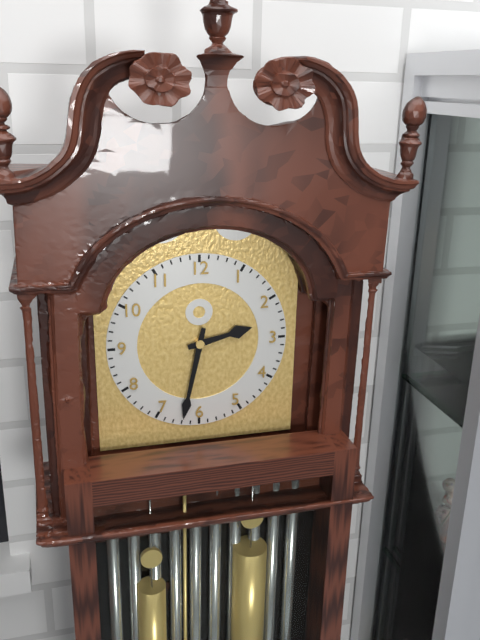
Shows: **2:32**
